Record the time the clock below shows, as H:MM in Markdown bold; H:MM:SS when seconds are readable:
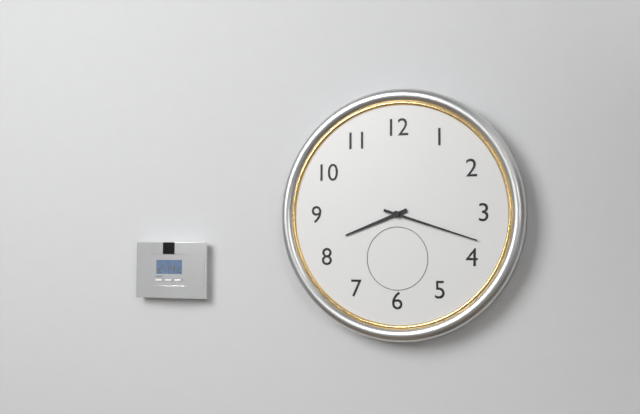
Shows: **8:18**
